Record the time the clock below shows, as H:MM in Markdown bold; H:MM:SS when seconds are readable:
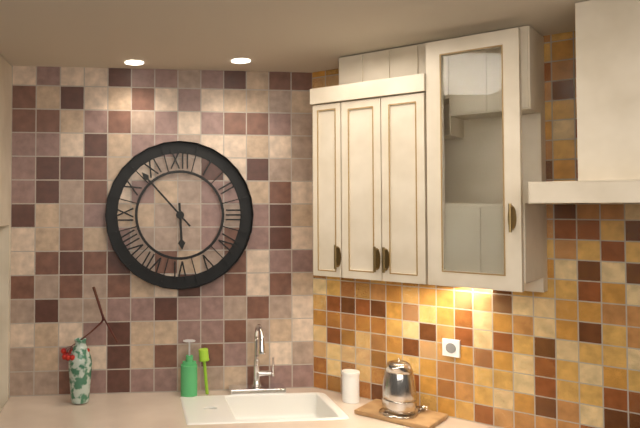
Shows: **5:53**
